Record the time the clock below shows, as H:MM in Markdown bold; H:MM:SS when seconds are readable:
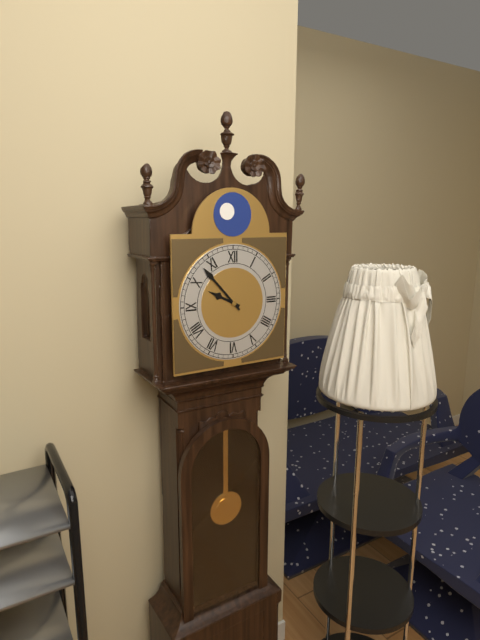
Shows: **9:53**
